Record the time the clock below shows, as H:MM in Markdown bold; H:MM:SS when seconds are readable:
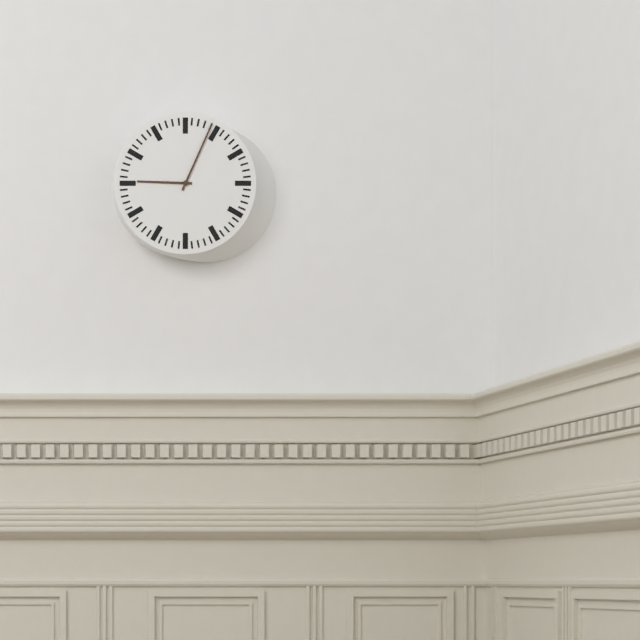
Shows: **9:04**
